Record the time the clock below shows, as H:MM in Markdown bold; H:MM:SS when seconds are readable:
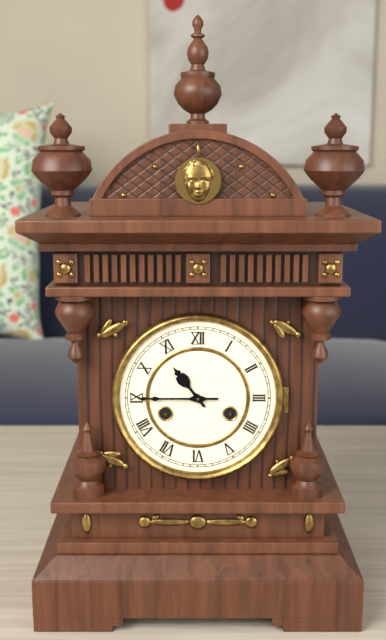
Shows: **10:45**
